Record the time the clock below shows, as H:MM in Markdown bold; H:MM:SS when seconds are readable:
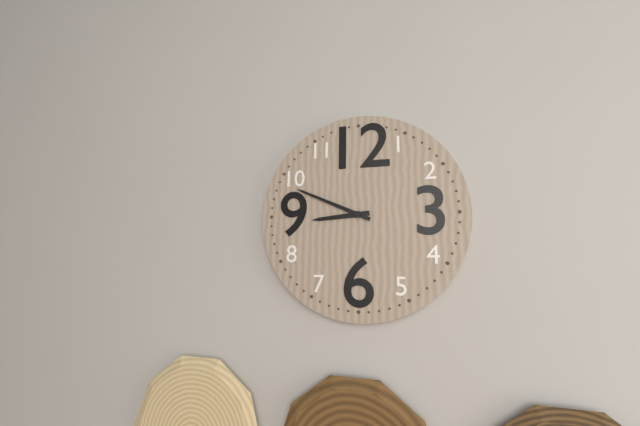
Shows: **8:49**
